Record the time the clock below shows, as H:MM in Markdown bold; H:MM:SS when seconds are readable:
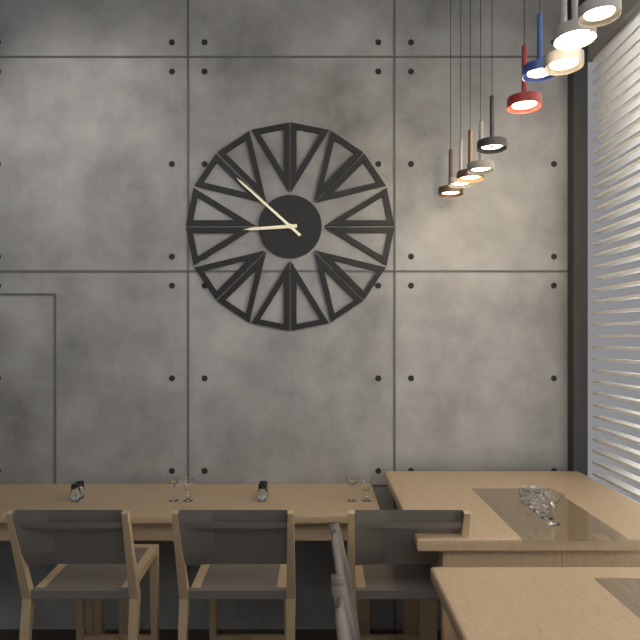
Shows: **8:52**
